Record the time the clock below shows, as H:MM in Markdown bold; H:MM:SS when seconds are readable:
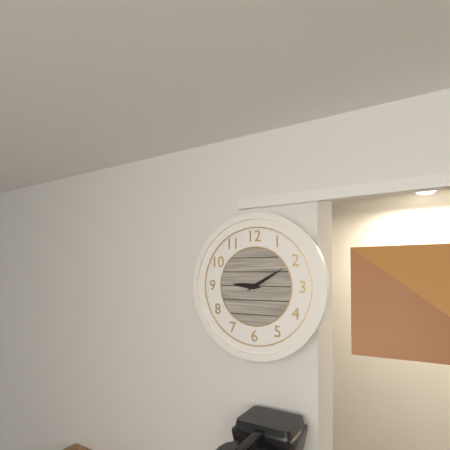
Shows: **9:10**
